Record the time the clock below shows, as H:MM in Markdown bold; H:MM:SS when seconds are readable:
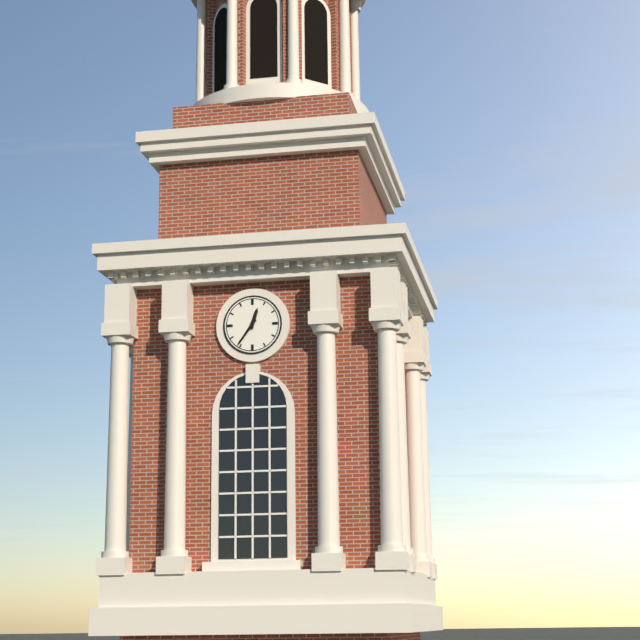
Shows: **12:36**
